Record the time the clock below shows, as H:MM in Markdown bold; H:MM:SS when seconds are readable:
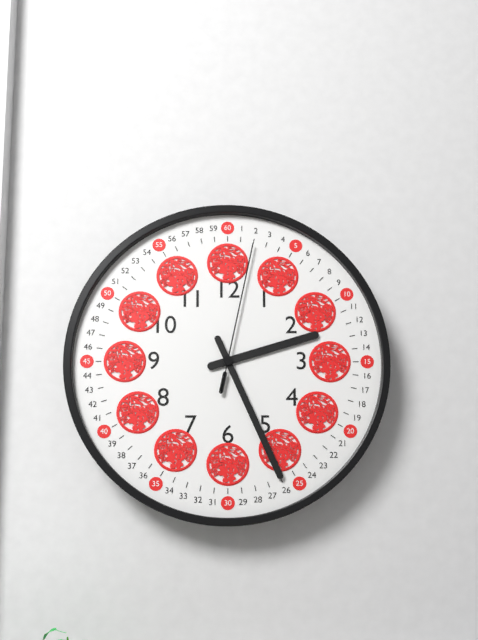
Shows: **2:26:02**
